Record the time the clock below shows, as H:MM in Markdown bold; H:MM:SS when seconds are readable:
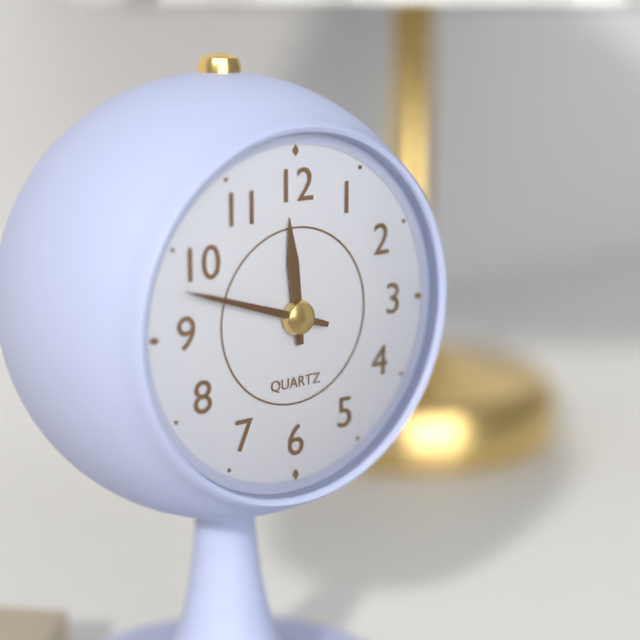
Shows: **11:48**
